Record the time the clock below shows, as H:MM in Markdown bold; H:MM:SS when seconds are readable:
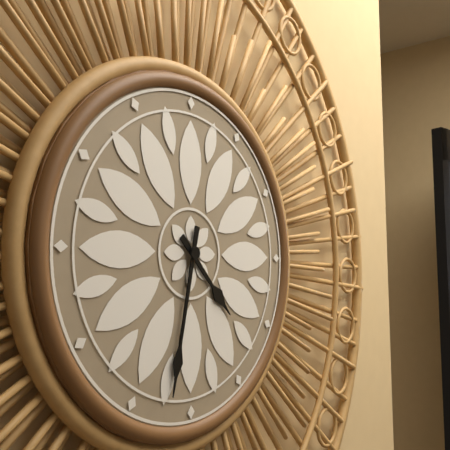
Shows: **4:32**
